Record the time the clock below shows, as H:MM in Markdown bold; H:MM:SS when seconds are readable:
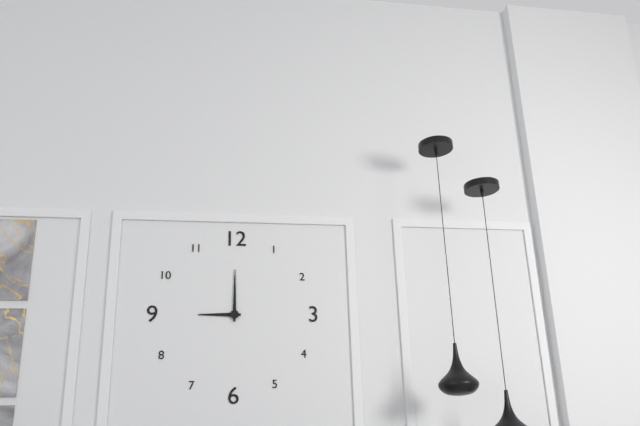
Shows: **9:00**
